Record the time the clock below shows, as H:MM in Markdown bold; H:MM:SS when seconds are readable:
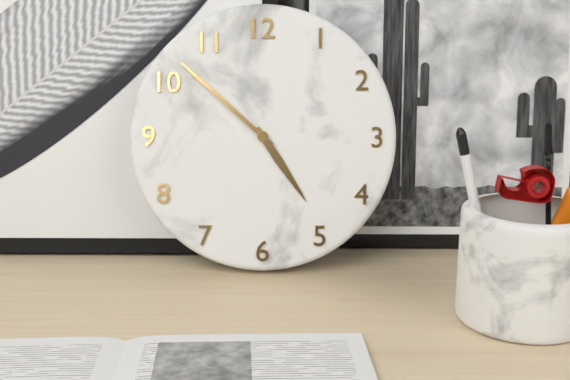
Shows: **4:52**
